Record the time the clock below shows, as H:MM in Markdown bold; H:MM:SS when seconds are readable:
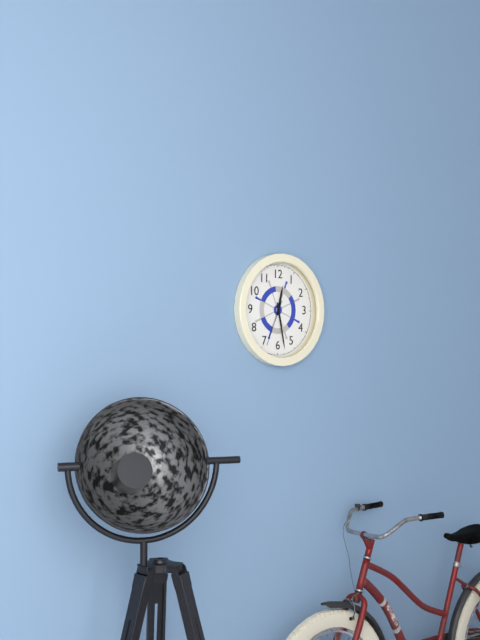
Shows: **12:28**
